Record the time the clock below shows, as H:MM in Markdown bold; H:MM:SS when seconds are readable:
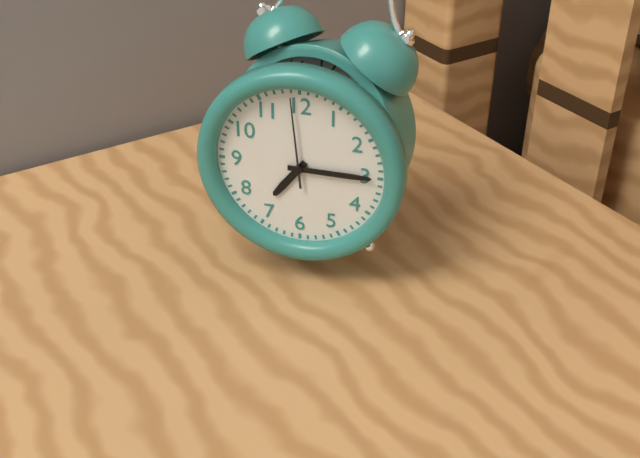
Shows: **7:15:59**
